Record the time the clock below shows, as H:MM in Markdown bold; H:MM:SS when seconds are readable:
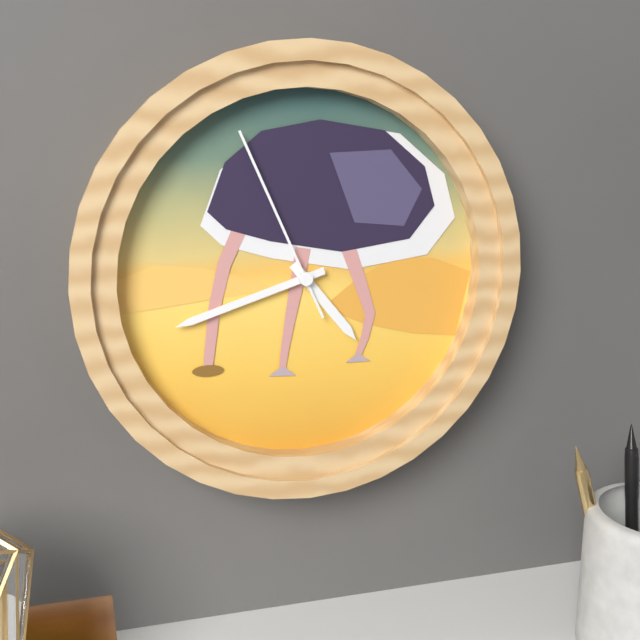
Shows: **4:42:56**
